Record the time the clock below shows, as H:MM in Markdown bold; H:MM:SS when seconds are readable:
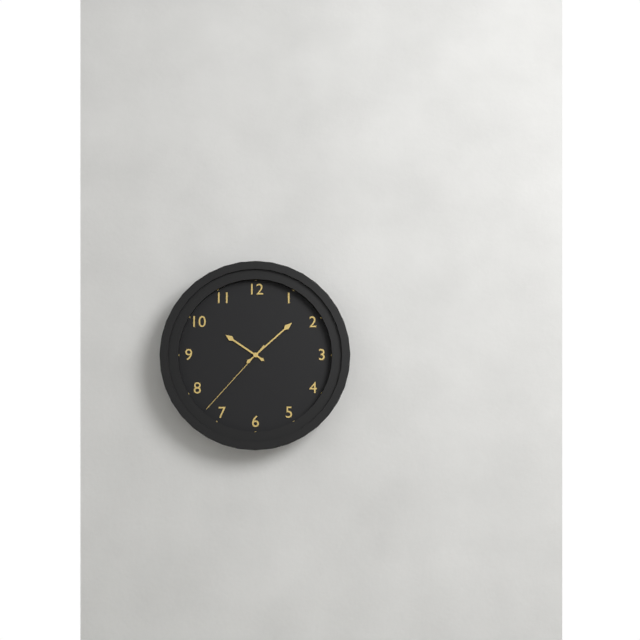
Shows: **10:08:37**
